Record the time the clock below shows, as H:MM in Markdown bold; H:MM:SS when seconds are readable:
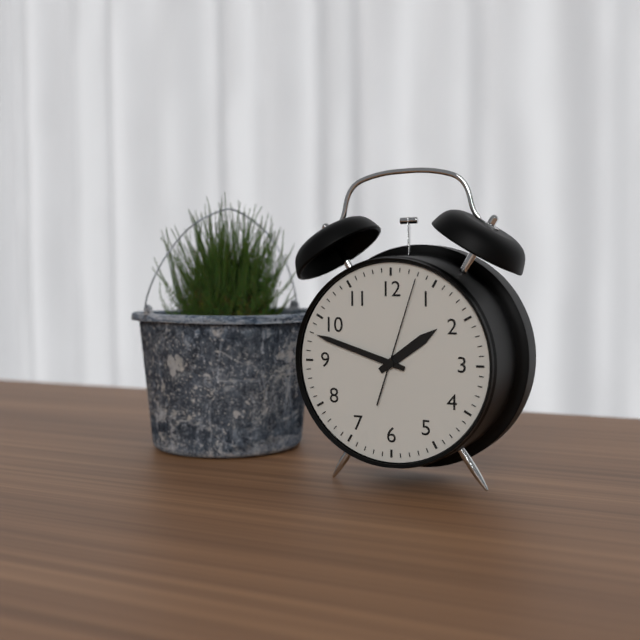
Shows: **1:48:03**
